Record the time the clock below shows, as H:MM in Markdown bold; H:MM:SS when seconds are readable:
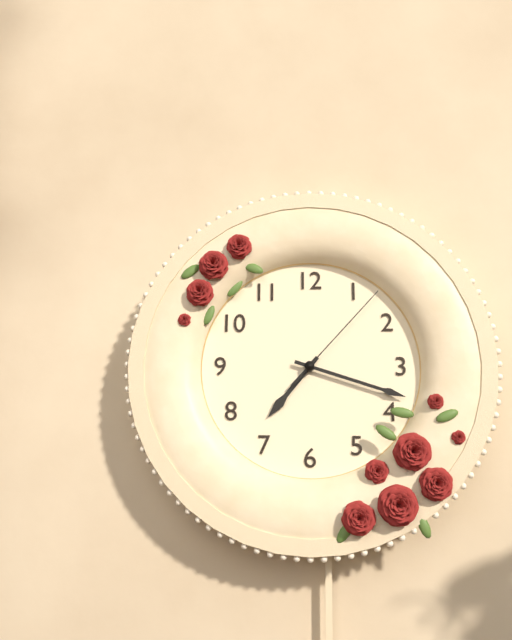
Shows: **7:18:07**
